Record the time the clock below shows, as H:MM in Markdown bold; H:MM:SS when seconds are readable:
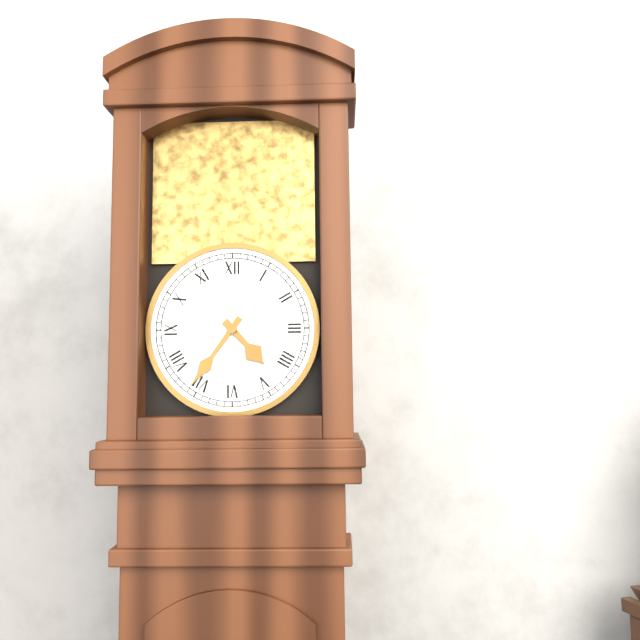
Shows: **4:36**
